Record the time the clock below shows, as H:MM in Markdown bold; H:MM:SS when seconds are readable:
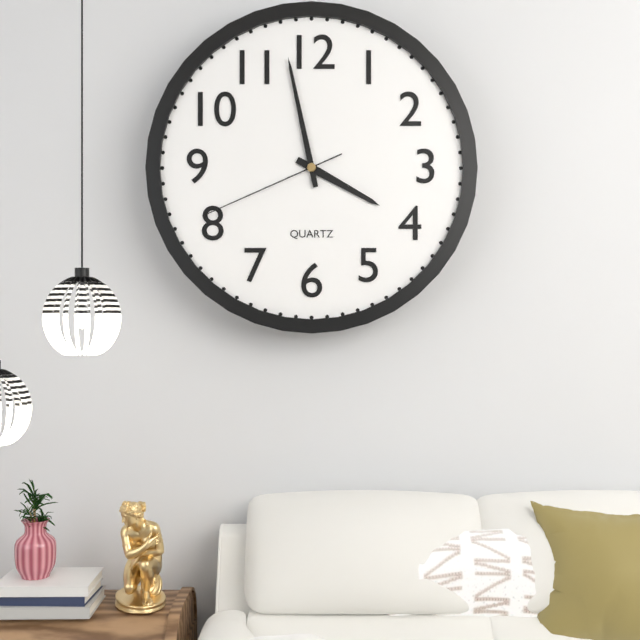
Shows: **3:58:41**
